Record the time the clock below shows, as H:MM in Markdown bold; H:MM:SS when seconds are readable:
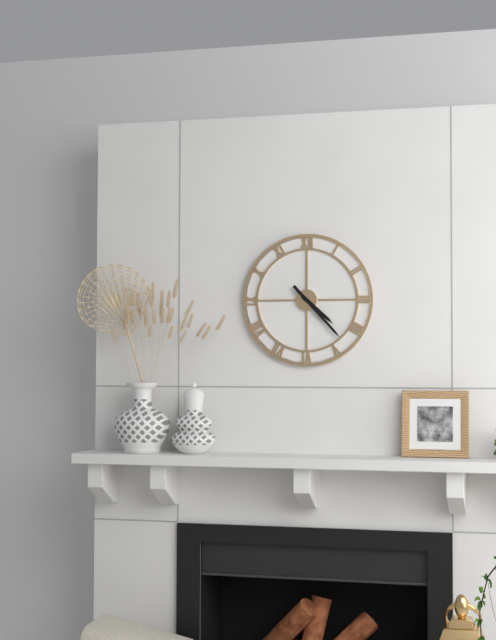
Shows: **4:23**
